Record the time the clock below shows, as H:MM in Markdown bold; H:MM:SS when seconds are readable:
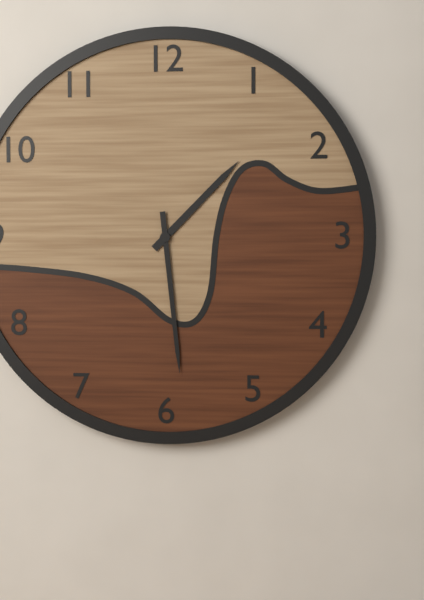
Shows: **1:29**
